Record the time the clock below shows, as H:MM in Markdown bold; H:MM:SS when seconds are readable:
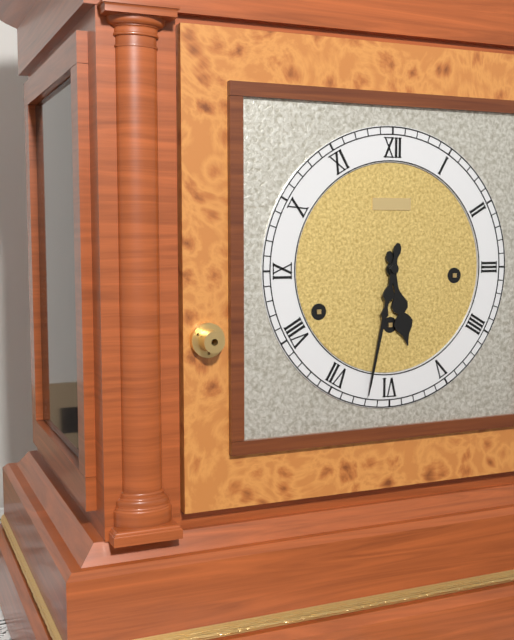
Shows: **5:32**
